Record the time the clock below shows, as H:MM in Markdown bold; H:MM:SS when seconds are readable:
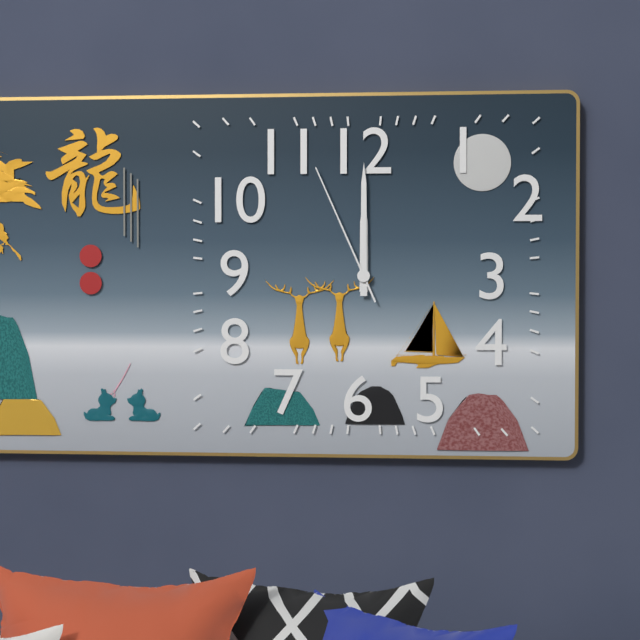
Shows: **12:00:56**
